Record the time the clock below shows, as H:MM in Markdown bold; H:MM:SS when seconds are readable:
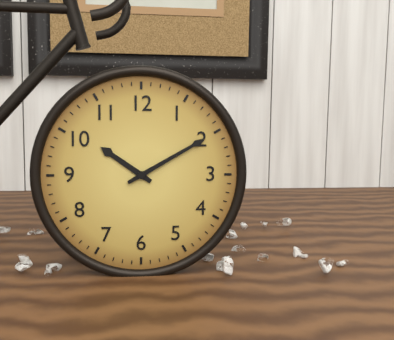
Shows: **10:10**
